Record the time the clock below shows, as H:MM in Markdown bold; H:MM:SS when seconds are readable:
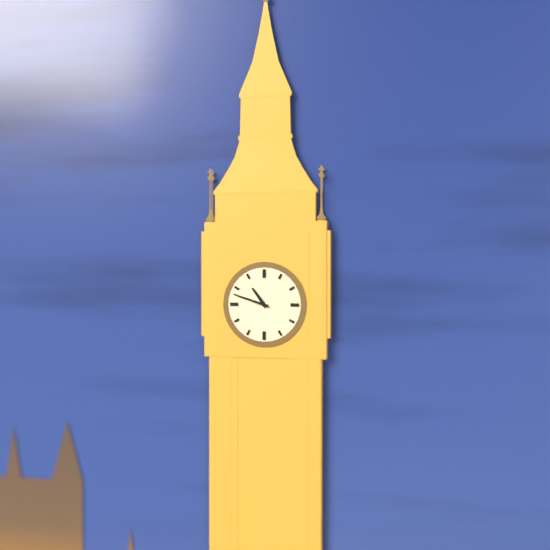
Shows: **10:48**
